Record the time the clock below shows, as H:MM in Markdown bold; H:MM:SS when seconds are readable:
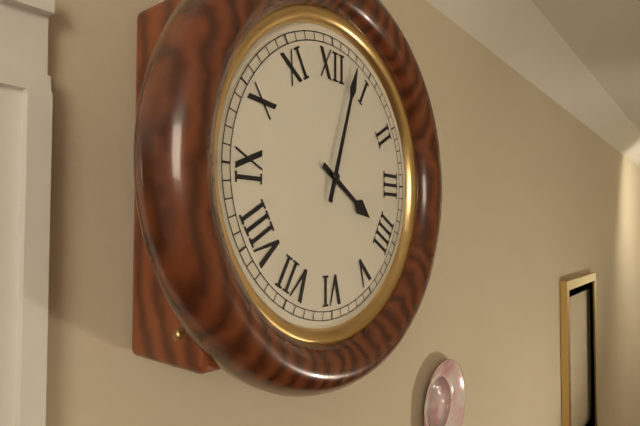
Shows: **4:03**
